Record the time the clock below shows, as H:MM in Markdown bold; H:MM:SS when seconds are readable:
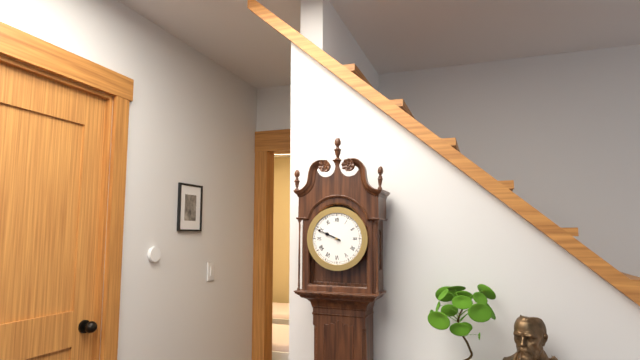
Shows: **9:49**
